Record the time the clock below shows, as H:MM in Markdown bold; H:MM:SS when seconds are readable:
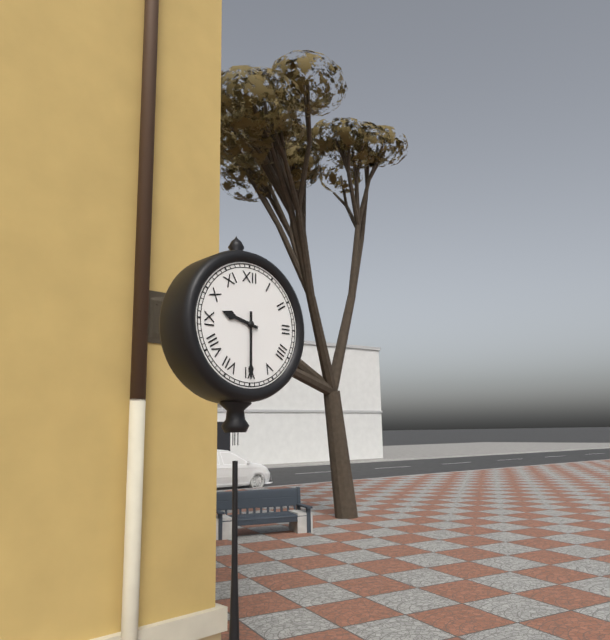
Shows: **9:30**
